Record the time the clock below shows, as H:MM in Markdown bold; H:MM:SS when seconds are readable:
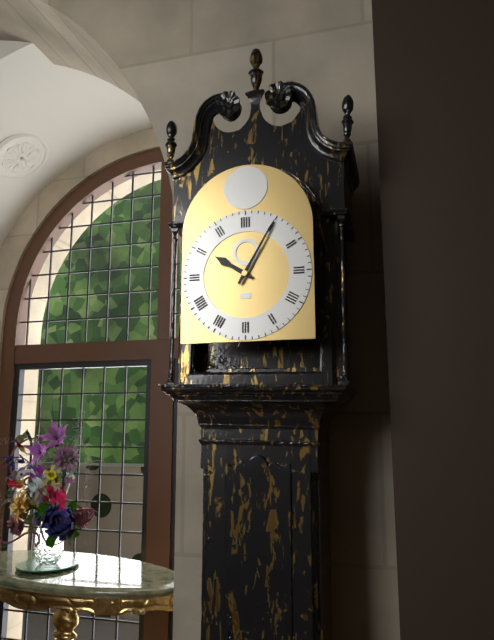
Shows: **10:05**
